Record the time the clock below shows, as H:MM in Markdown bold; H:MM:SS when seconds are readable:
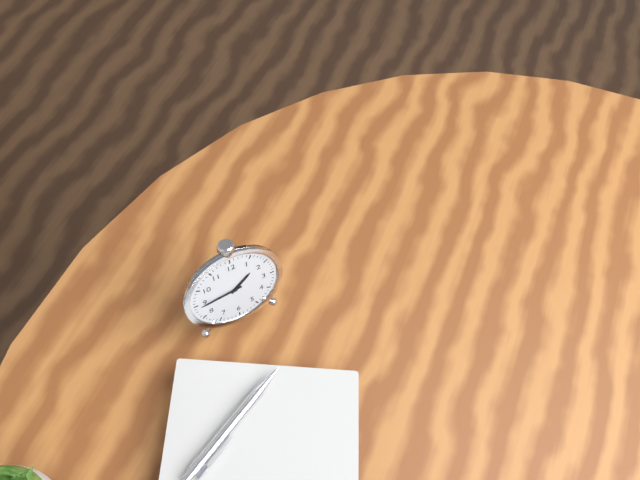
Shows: **1:44**
